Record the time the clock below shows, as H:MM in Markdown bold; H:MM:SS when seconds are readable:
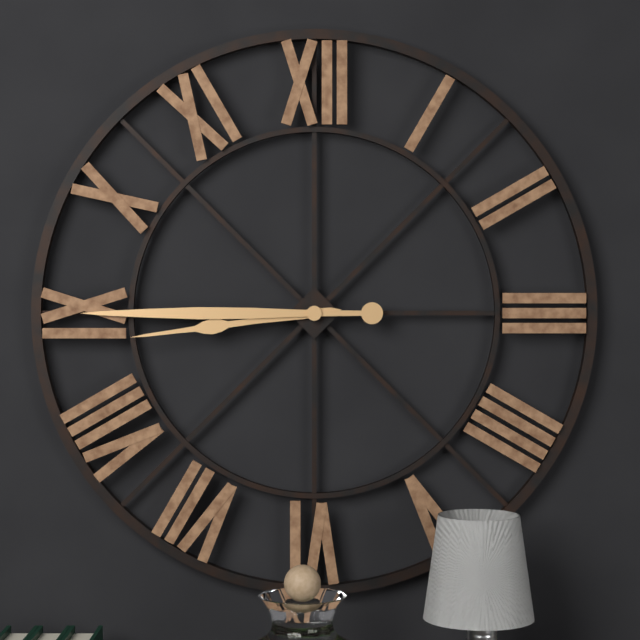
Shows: **8:45**
